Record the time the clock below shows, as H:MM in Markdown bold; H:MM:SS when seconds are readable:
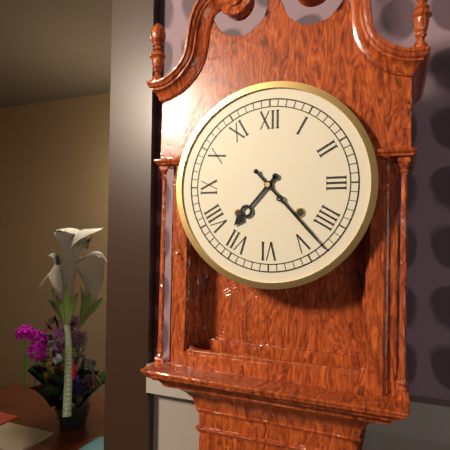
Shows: **7:23**
